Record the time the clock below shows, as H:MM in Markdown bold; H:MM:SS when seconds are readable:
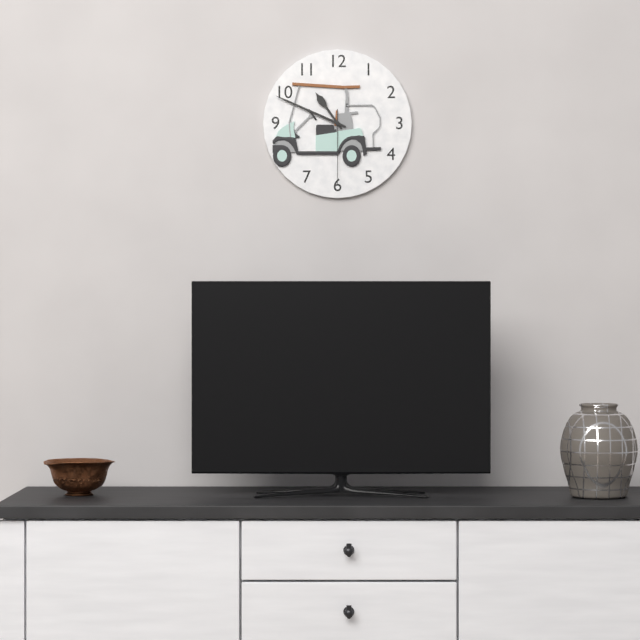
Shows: **10:49:30**
